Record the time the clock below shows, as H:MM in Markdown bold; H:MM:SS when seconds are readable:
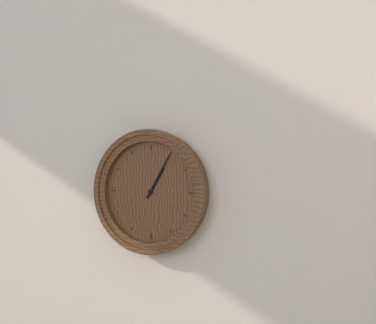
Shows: **1:05**
